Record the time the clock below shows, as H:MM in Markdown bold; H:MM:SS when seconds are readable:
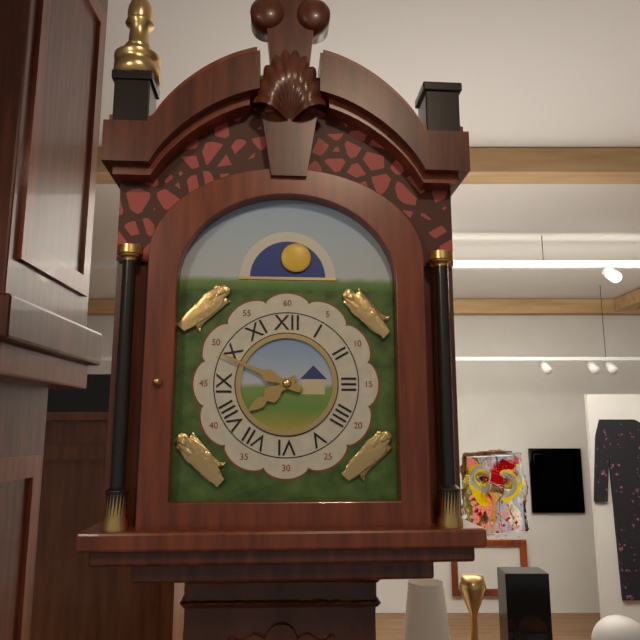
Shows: **7:49**
